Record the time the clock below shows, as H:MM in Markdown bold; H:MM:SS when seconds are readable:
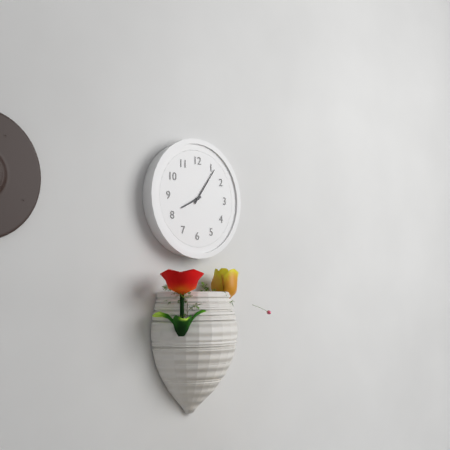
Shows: **8:06**
